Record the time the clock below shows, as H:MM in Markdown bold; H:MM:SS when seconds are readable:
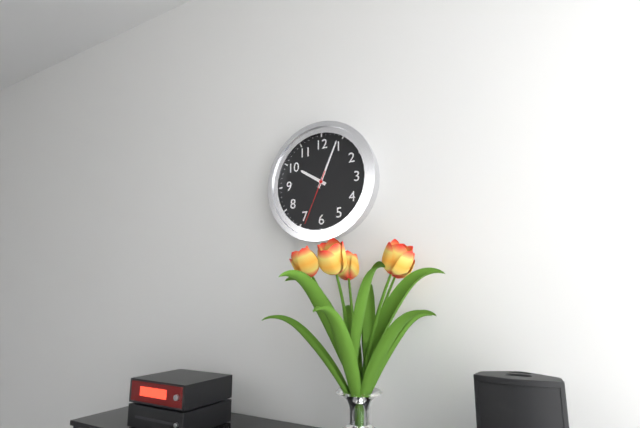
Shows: **10:04:34**
